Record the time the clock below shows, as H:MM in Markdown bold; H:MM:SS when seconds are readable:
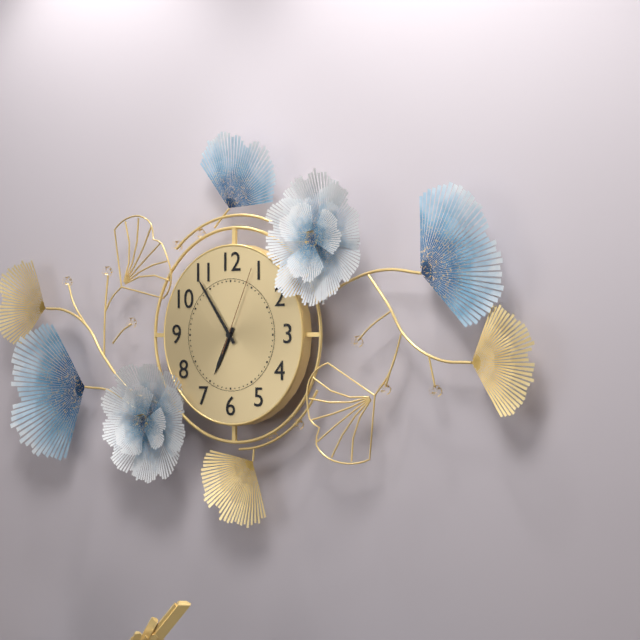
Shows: **6:54:04**
